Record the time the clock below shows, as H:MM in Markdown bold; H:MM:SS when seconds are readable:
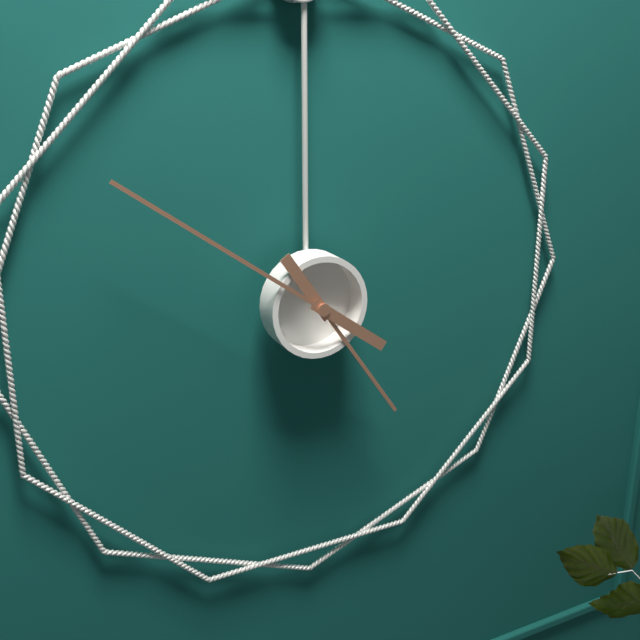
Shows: **4:51**
